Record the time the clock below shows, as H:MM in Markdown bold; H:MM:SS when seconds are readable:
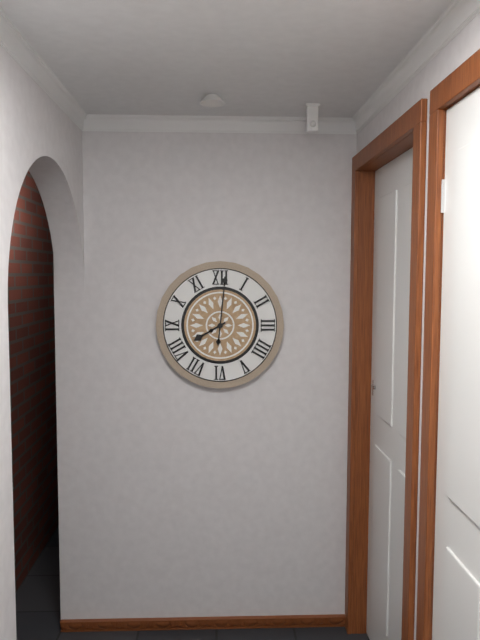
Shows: **8:01**
